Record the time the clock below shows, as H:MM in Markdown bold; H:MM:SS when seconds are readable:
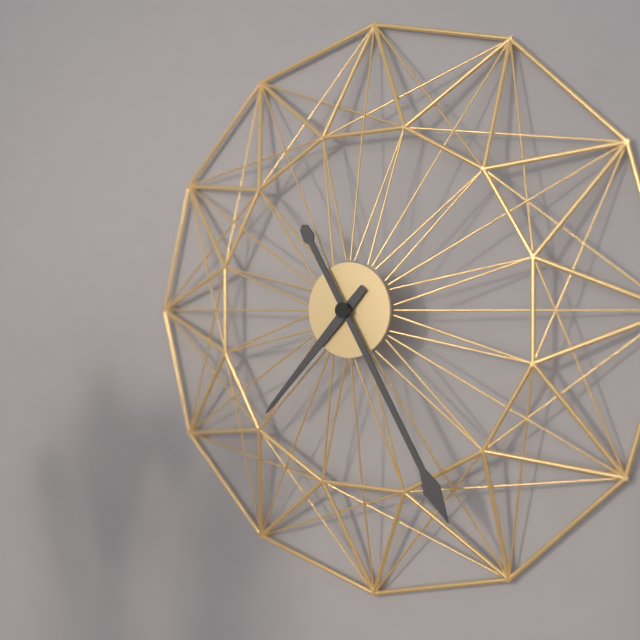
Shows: **7:25**
